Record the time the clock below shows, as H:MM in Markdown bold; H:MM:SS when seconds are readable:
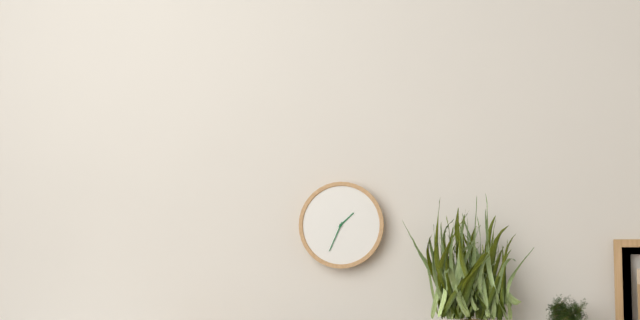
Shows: **1:34**
